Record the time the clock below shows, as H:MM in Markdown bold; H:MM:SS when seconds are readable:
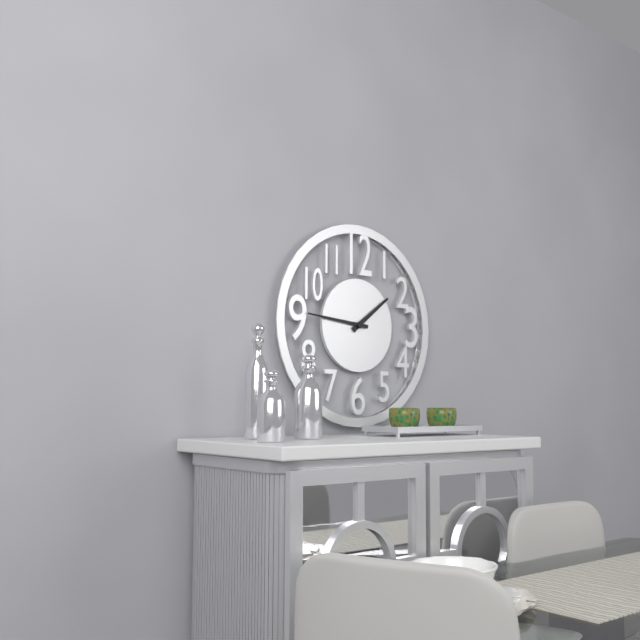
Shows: **1:46**
